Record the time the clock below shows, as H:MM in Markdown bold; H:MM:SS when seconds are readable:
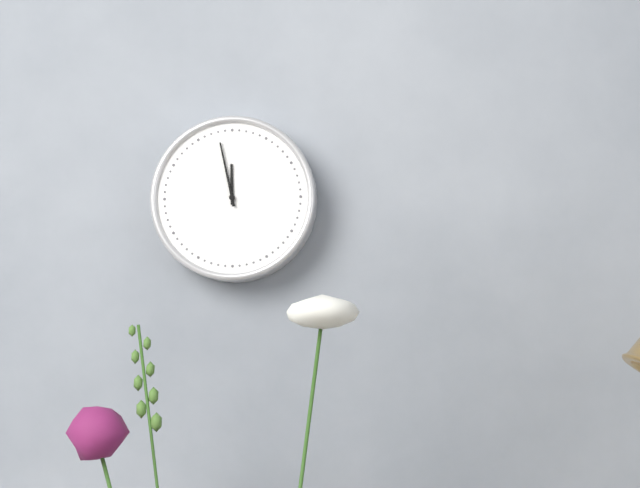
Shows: **11:58**
